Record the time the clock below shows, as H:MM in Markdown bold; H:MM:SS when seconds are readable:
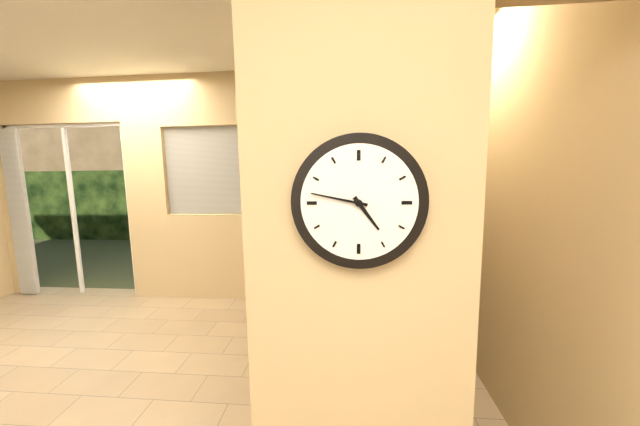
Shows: **4:47**
